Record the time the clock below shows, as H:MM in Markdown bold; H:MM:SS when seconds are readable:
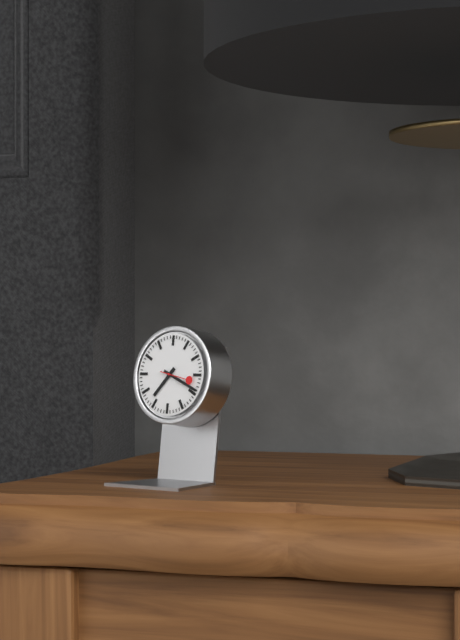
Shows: **7:19**
